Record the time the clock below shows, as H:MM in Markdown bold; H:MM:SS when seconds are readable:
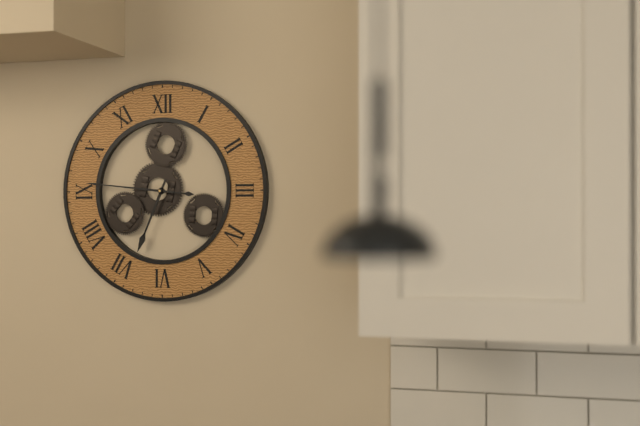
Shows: **6:46**
